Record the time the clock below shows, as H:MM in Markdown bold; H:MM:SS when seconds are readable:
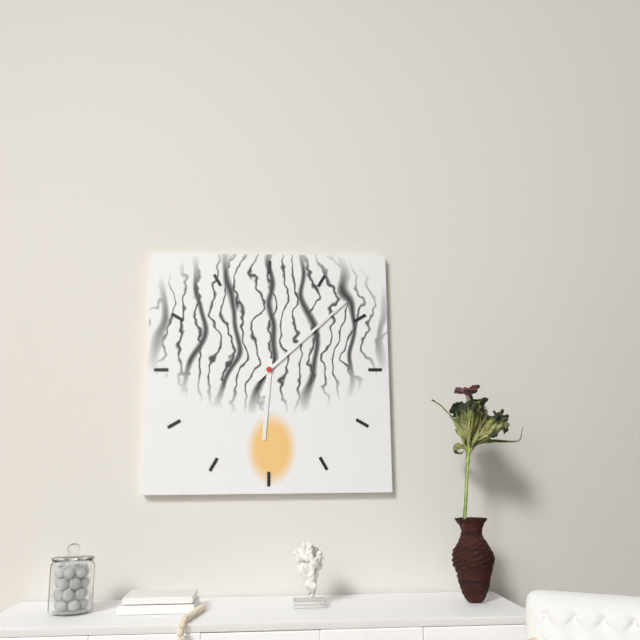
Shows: **6:08**
